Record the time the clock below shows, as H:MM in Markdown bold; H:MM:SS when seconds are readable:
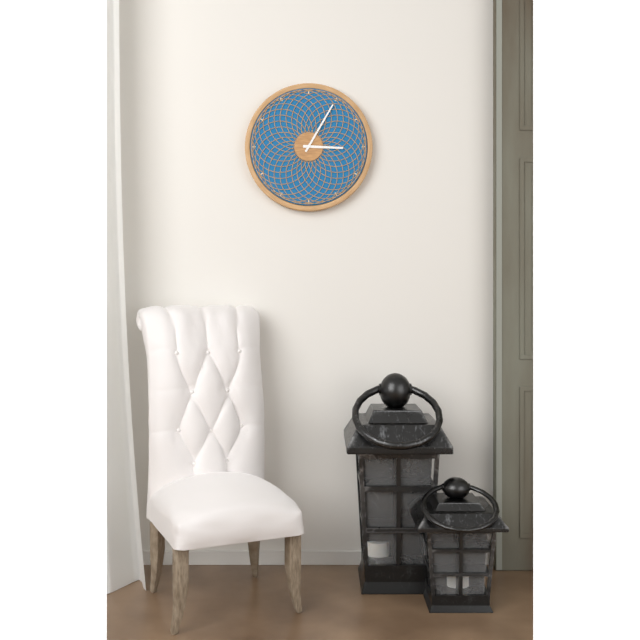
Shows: **3:05**
